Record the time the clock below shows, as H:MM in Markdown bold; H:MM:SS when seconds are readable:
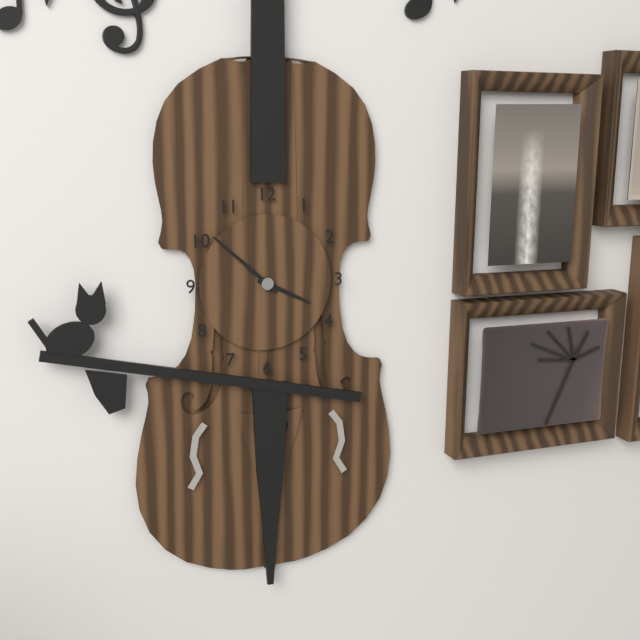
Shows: **3:52**
